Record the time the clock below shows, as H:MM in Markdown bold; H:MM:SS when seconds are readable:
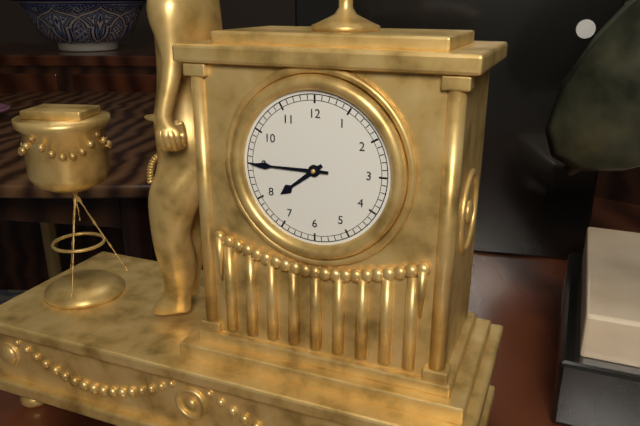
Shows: **7:45**
